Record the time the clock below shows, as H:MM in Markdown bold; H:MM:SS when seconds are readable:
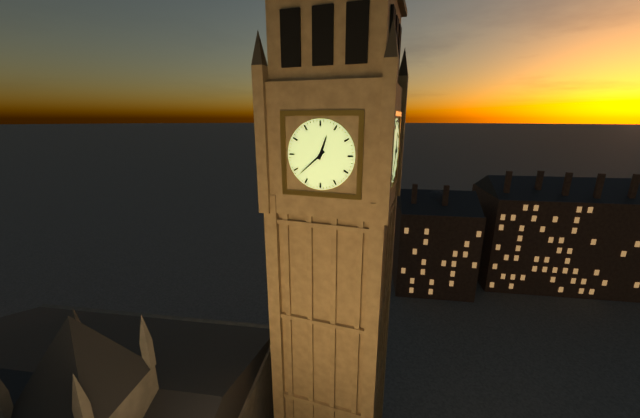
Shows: **12:38**
